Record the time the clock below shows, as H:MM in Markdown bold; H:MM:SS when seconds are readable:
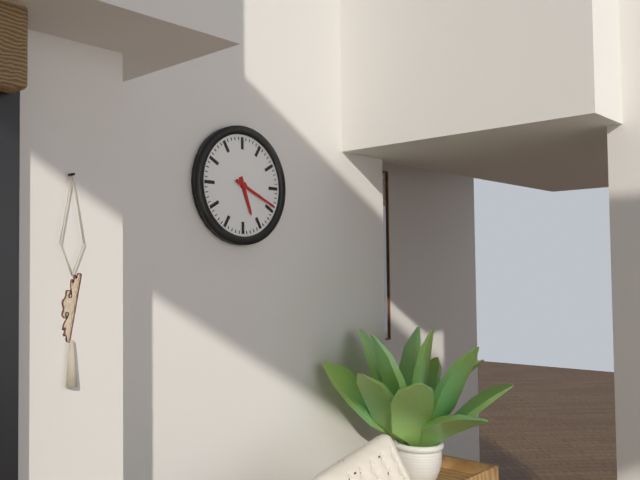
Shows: **5:19**
